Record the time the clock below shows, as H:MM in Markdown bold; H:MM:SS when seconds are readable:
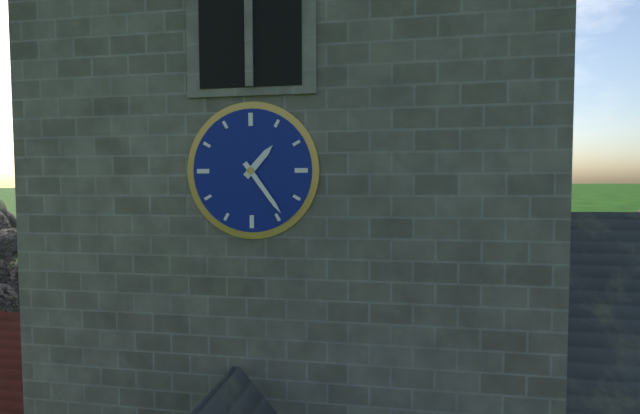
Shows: **1:24**
